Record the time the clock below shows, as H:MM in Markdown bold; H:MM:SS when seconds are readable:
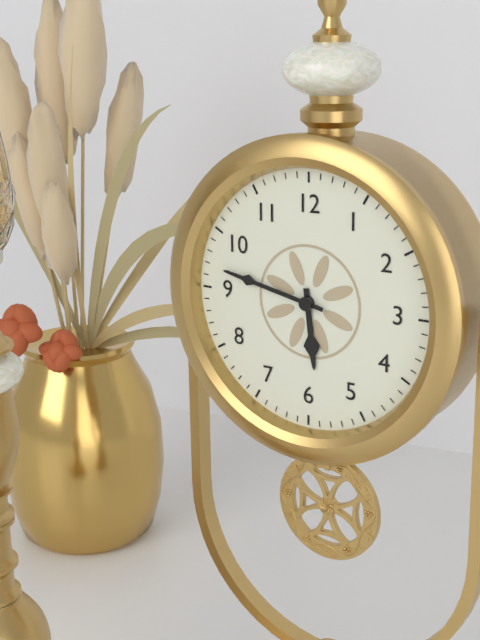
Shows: **5:47**
